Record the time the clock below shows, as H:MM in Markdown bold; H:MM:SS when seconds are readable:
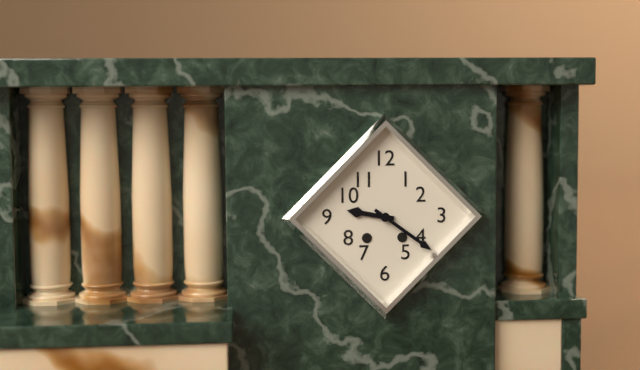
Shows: **9:21**
